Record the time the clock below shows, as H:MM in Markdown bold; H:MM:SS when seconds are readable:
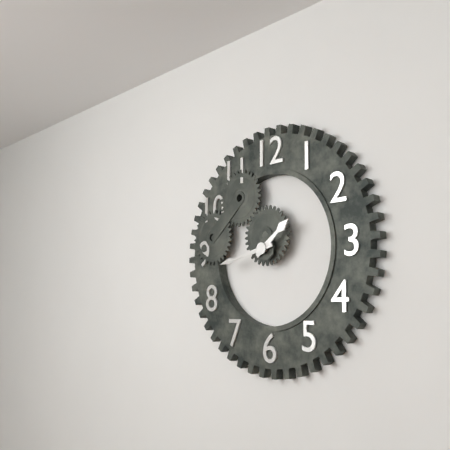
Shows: **1:43**
